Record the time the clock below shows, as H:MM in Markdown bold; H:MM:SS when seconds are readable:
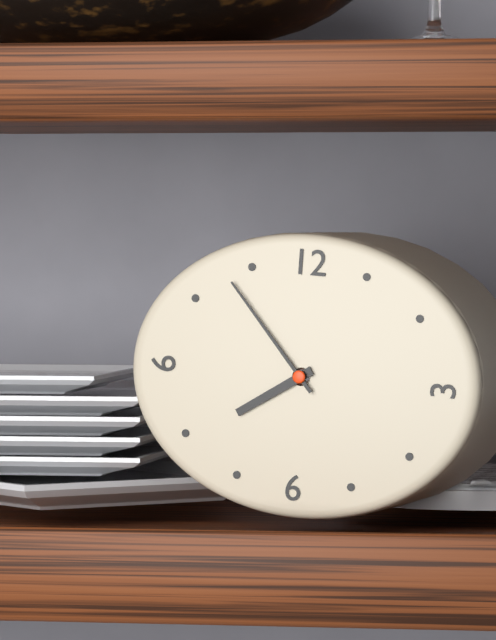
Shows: **7:53**
